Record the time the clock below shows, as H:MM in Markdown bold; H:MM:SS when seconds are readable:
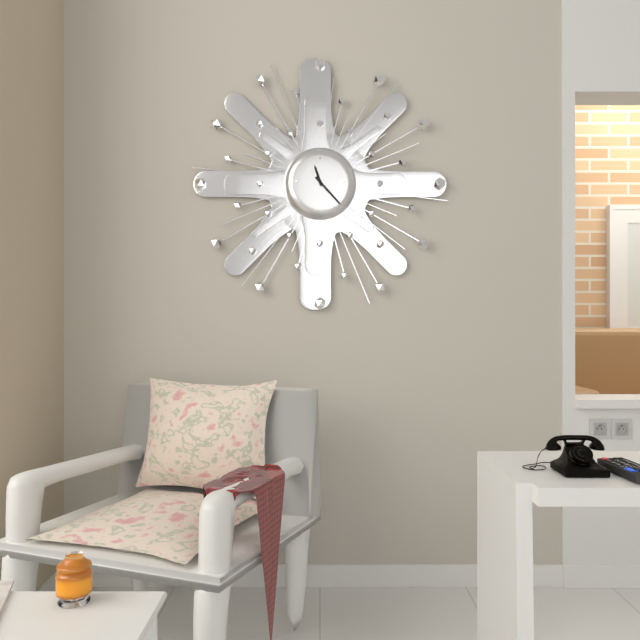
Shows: **11:23**
